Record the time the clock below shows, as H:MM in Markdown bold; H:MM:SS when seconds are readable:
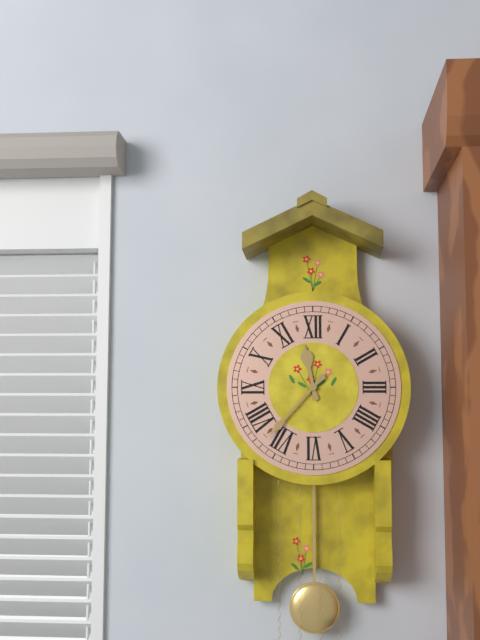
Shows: **11:37**
